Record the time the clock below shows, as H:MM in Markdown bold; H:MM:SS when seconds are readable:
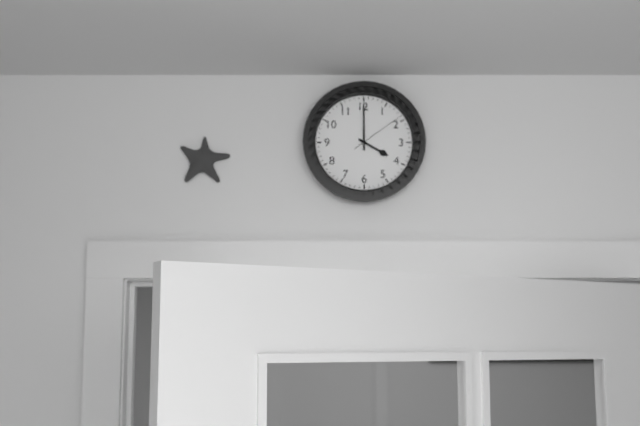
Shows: **4:00:09**
